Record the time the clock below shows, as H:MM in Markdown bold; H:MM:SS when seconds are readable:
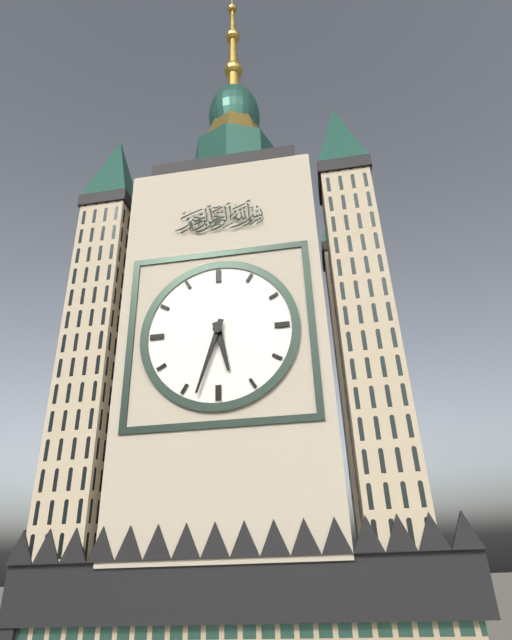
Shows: **5:33**
